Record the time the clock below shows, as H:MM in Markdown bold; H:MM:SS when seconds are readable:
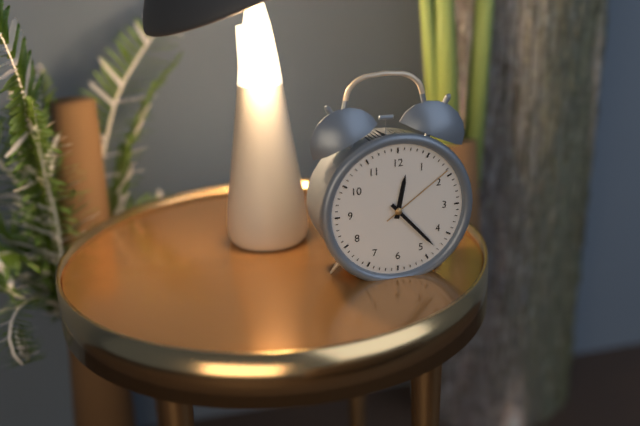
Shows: **12:23:09**
